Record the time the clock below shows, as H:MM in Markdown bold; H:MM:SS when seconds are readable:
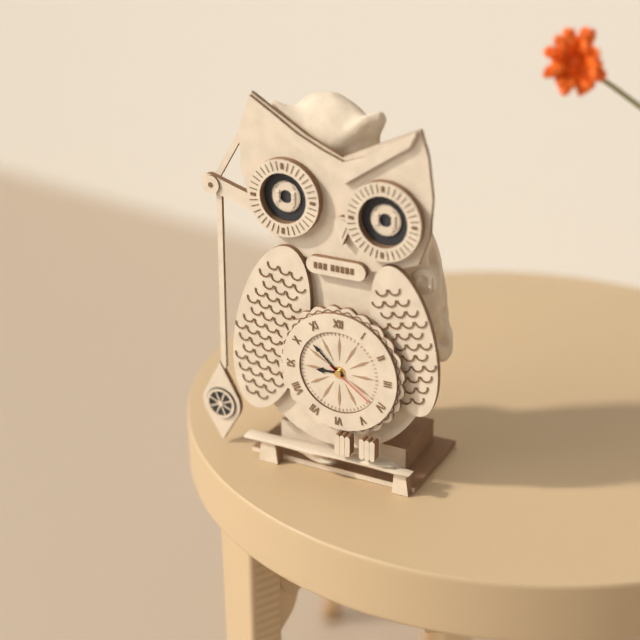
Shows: **8:52:21**
